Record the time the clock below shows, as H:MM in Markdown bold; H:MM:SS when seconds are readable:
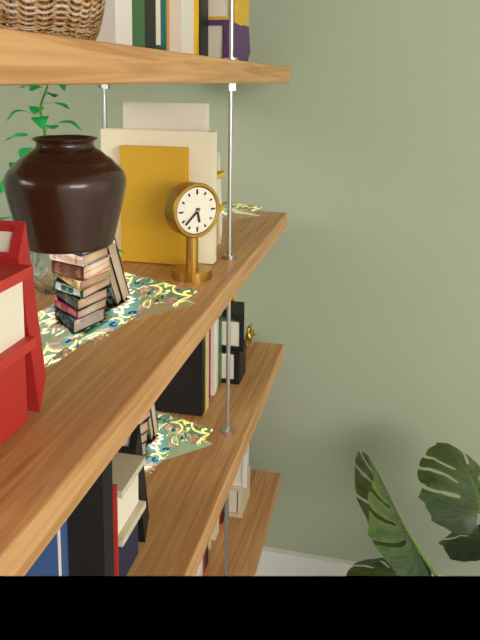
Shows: **5:38**
